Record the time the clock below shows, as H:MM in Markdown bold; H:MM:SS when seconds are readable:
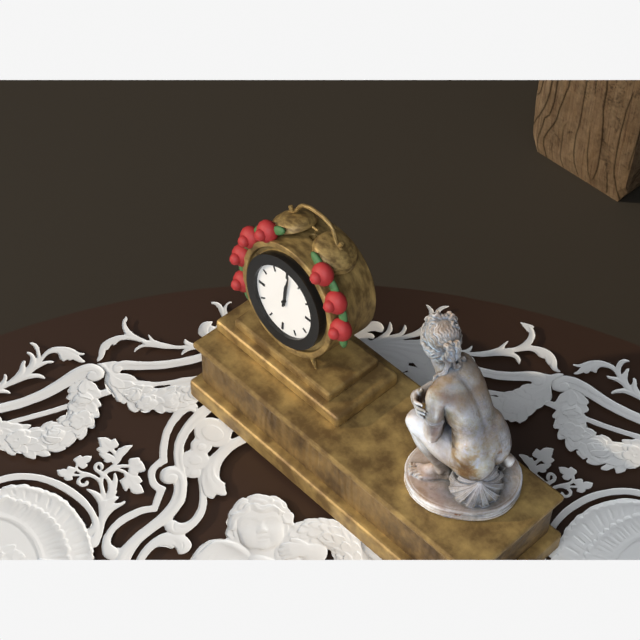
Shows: **12:01**
